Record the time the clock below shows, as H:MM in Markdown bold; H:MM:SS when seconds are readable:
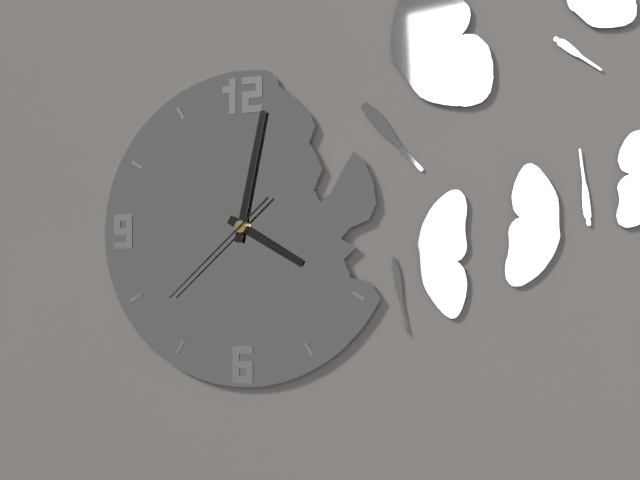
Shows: **4:02:38**
